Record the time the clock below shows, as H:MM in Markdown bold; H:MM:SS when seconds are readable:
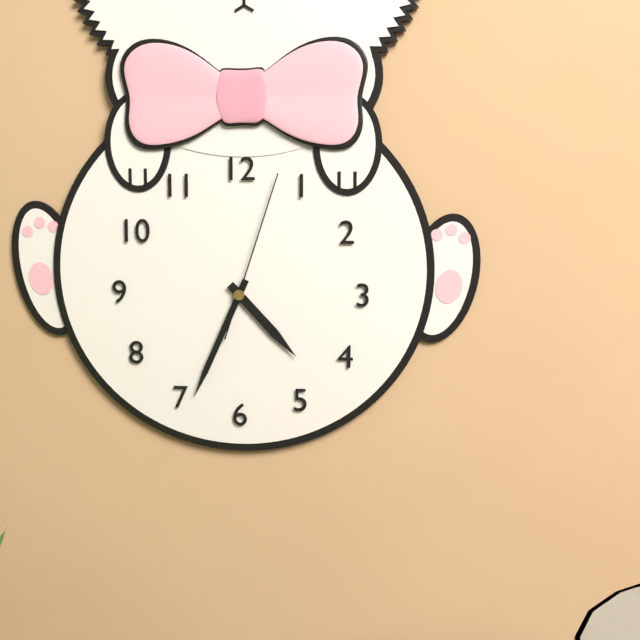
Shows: **4:34:03**
